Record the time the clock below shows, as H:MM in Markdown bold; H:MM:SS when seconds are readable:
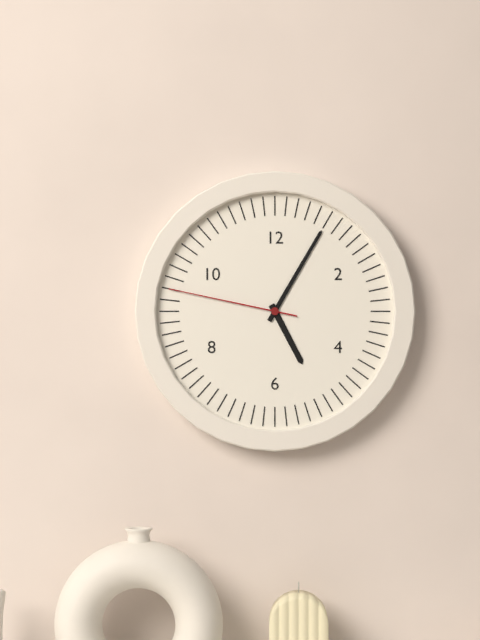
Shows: **5:05:47**
